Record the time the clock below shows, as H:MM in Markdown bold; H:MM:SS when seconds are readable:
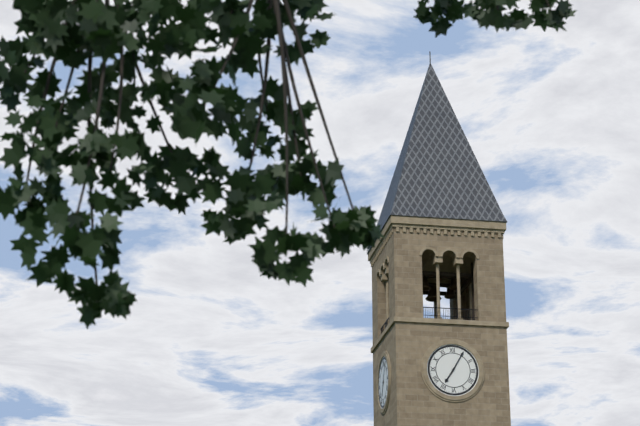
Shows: **7:05**
